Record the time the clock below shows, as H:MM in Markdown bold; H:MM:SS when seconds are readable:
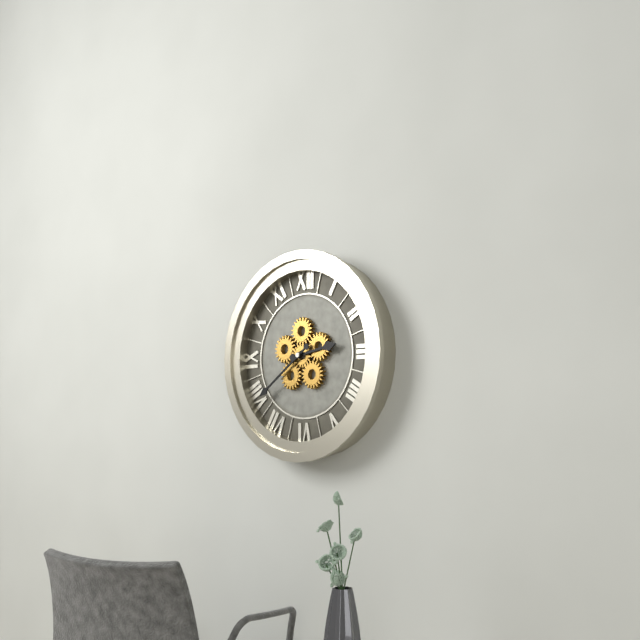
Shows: **2:39**
